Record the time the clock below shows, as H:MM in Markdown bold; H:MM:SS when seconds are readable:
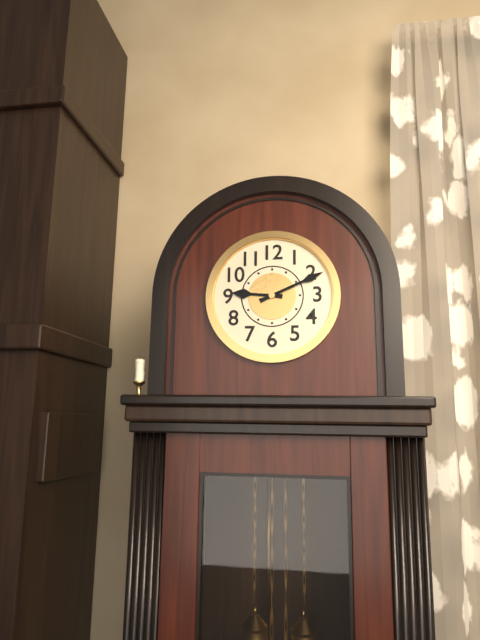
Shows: **9:11**
